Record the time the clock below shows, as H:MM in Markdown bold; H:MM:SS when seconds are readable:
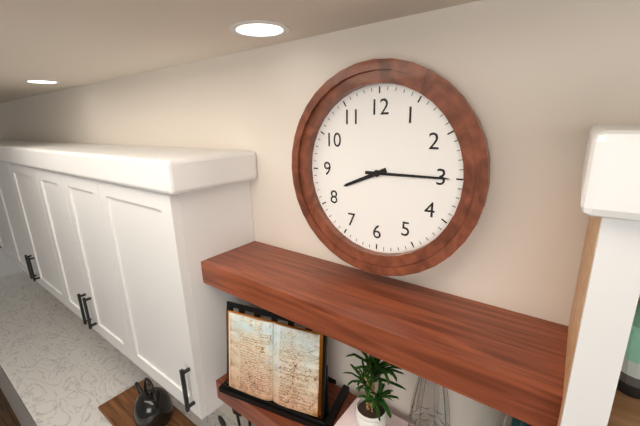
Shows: **8:15**
